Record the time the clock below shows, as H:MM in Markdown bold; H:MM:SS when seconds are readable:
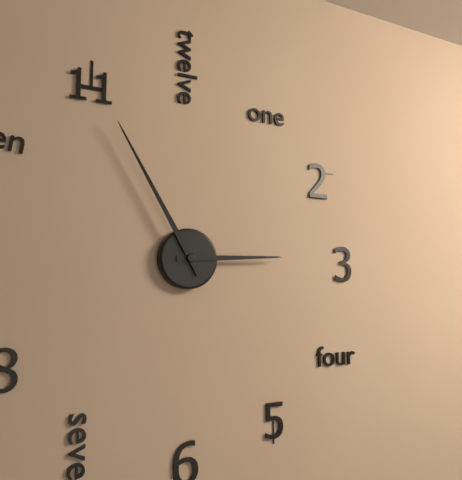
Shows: **2:55**
